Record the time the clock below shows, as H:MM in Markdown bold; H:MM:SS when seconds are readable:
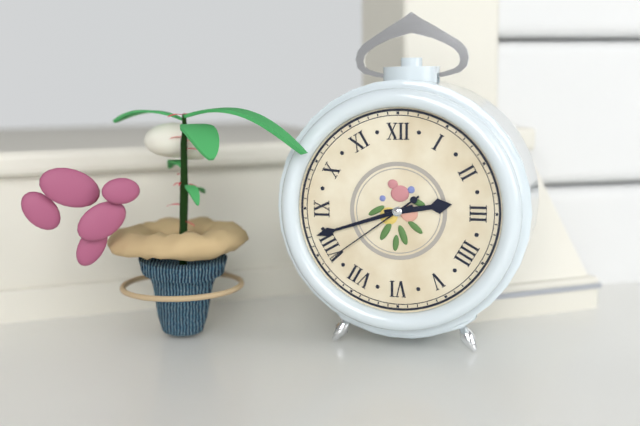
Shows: **2:42:39**
